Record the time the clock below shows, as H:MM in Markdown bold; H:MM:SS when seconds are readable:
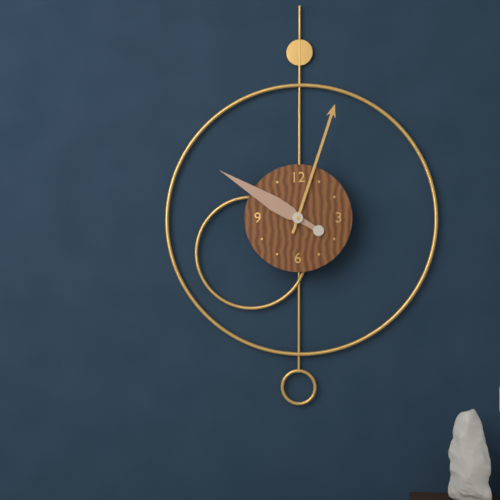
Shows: **10:03**
